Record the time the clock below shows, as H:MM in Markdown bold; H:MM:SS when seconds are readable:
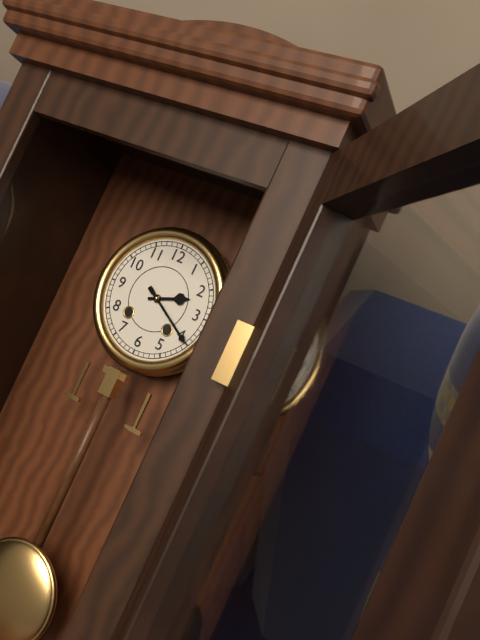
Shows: **2:20**
